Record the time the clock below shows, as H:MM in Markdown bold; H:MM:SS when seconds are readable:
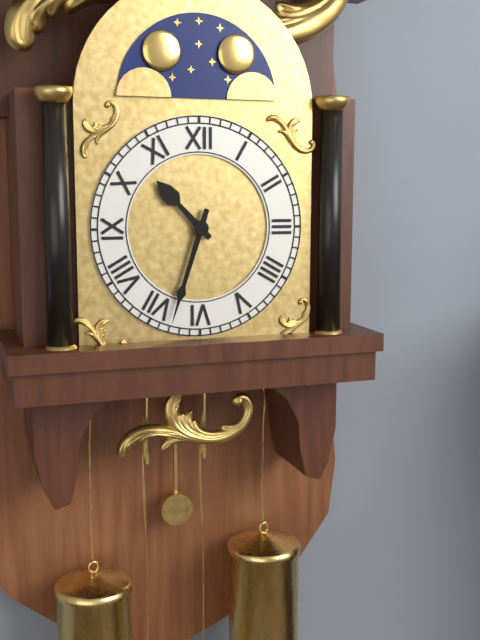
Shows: **10:33**
